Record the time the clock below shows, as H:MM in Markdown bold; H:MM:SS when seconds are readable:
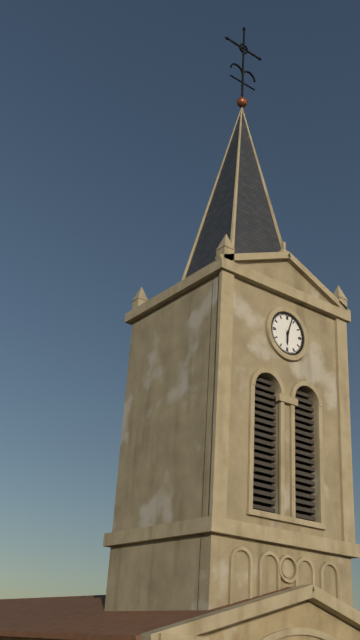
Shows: **6:03**
